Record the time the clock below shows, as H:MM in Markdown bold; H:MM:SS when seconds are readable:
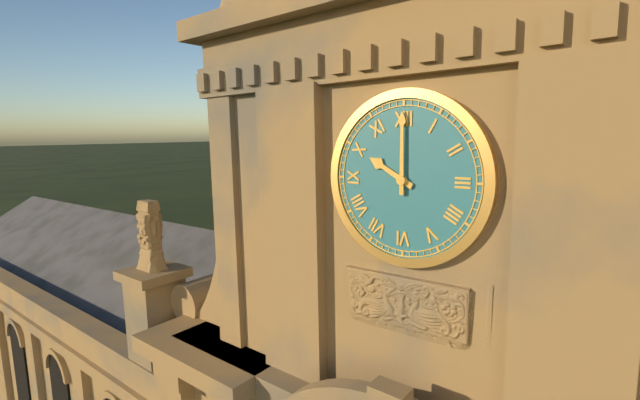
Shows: **10:00**
